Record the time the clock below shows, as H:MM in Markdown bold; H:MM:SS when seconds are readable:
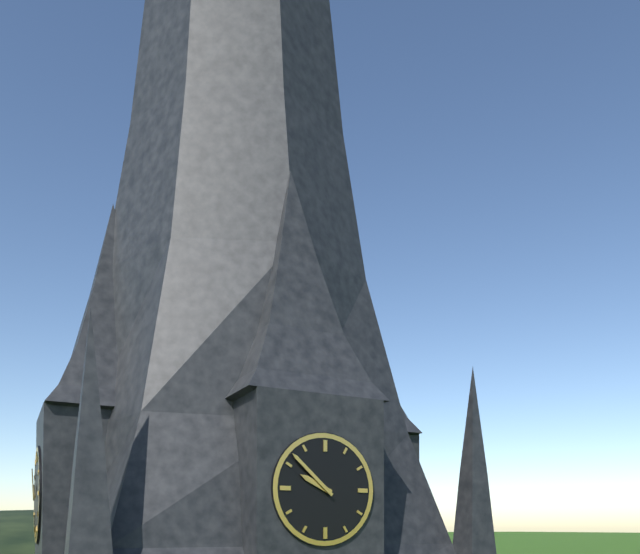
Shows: **9:52**
